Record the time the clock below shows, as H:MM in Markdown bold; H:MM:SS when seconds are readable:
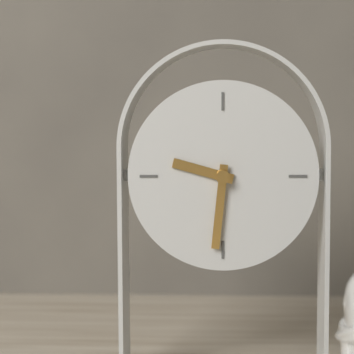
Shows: **9:31**
